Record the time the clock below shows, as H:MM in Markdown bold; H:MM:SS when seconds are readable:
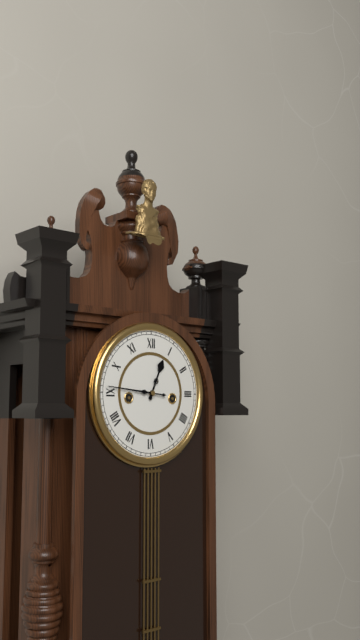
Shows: **12:46**
